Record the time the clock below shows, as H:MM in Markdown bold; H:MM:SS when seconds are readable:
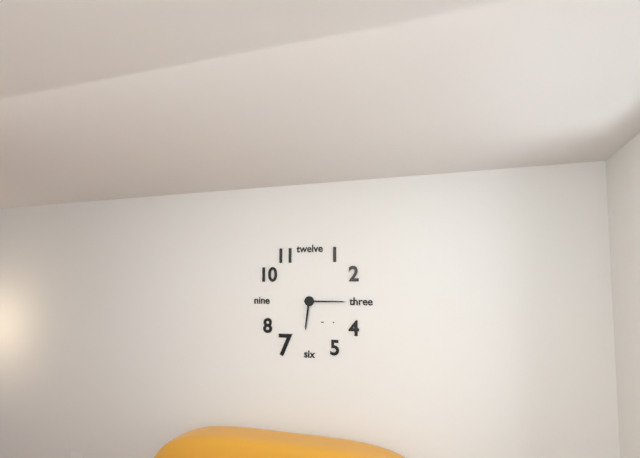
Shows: **6:15**
